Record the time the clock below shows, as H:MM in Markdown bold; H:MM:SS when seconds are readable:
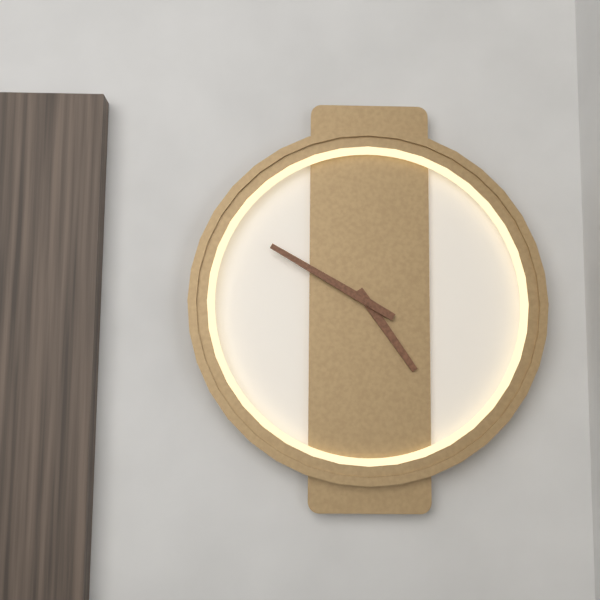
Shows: **4:50**
